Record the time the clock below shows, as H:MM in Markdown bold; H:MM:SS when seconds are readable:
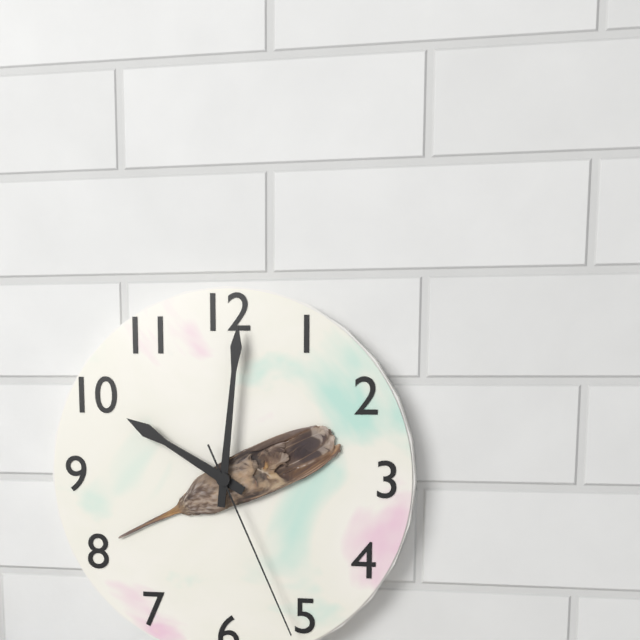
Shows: **10:01:26**
